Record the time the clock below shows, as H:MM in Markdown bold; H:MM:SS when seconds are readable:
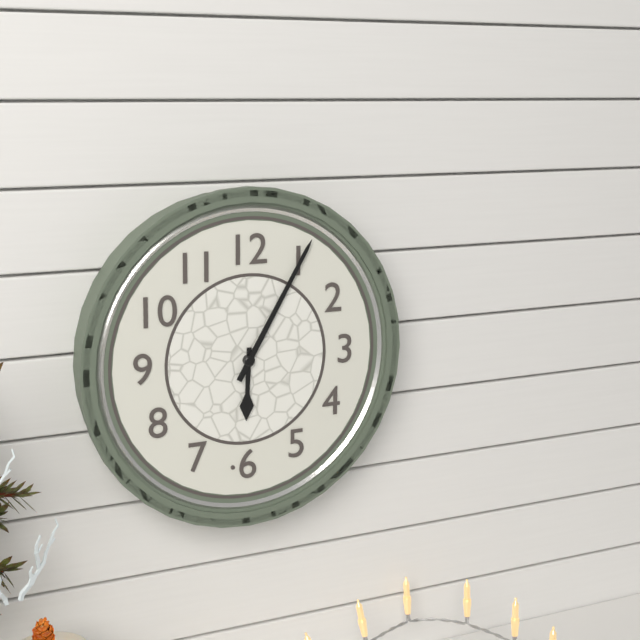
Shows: **6:05**
